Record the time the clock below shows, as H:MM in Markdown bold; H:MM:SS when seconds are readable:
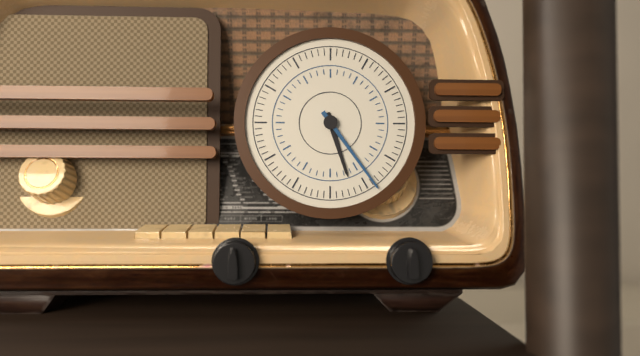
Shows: **5:24**
